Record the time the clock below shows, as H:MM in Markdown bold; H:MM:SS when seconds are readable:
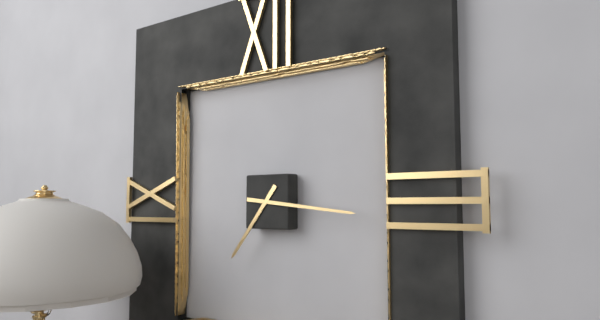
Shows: **7:16**
